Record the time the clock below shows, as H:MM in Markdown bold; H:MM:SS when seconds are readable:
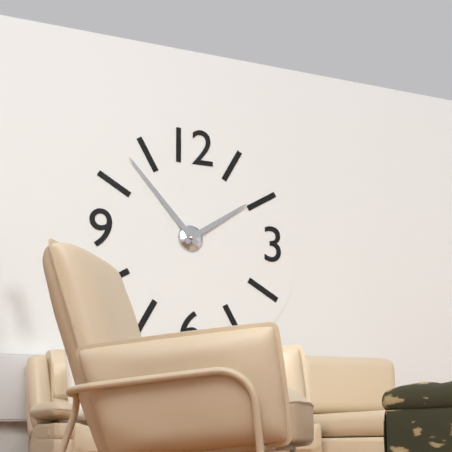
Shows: **1:53**
